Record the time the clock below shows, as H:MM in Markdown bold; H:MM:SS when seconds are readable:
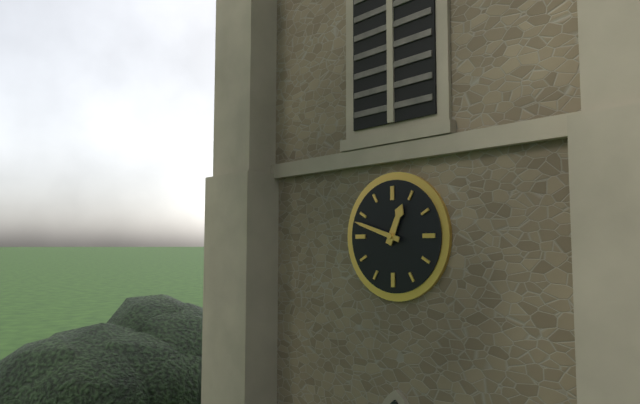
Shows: **12:48**
